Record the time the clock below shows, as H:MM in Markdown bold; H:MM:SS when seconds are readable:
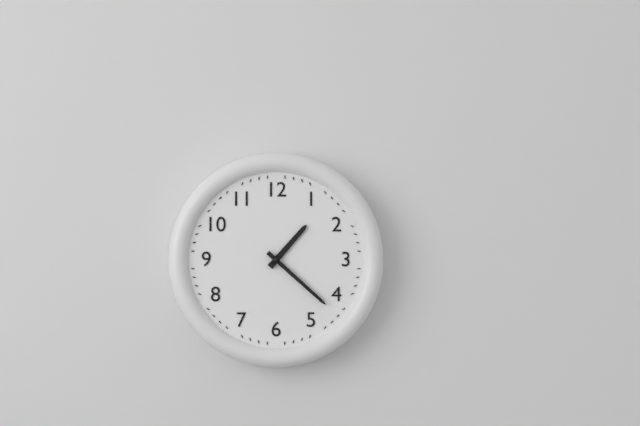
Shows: **1:22**
